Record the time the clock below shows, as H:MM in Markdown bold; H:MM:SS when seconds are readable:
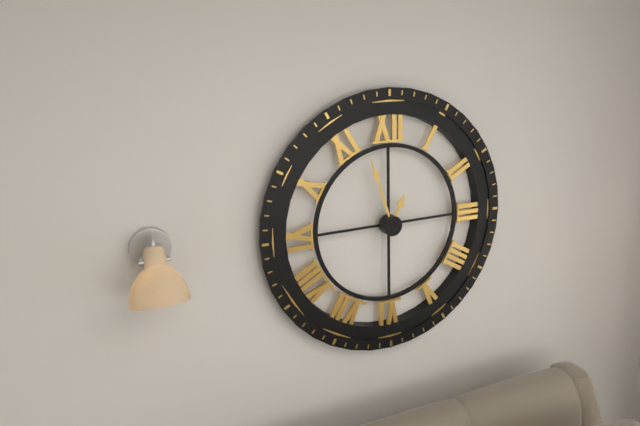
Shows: **12:57**
